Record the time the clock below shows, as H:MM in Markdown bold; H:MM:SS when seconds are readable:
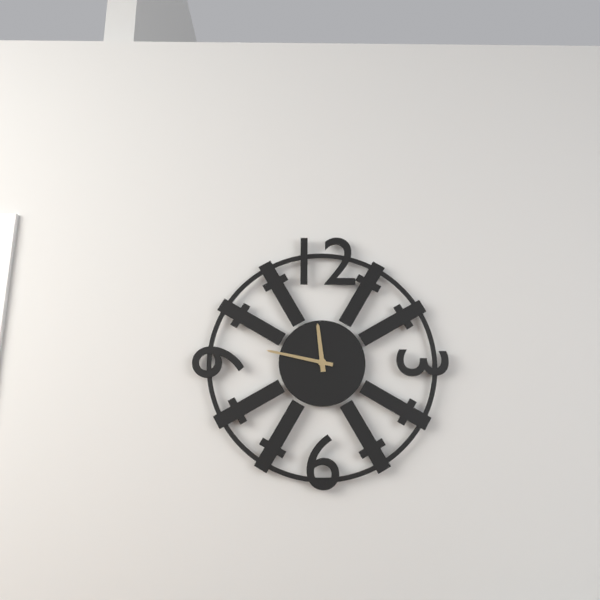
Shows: **11:47**
